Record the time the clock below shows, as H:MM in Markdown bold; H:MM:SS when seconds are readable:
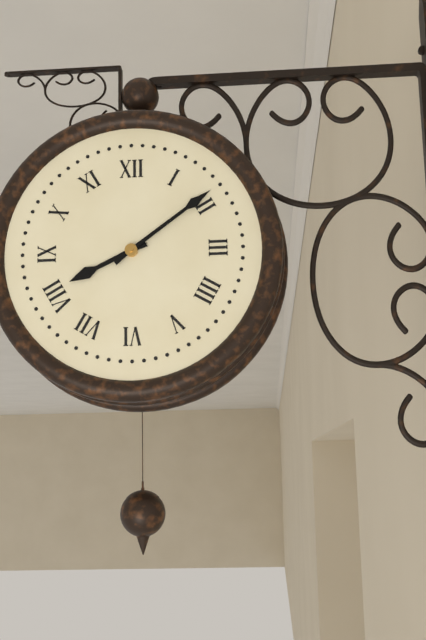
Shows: **8:09**
